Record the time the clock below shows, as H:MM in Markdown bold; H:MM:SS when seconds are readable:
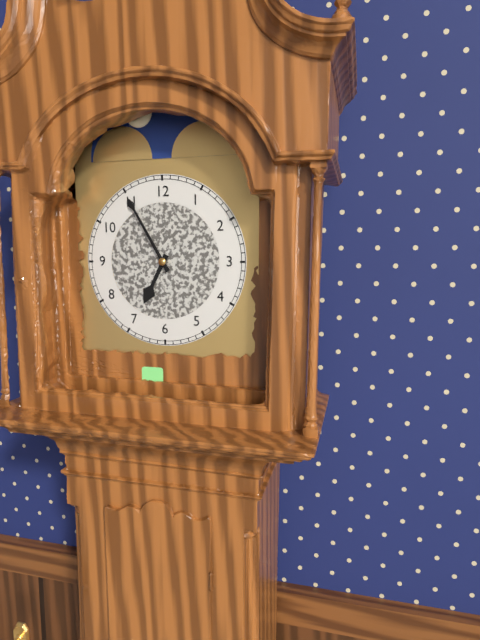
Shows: **6:55**
